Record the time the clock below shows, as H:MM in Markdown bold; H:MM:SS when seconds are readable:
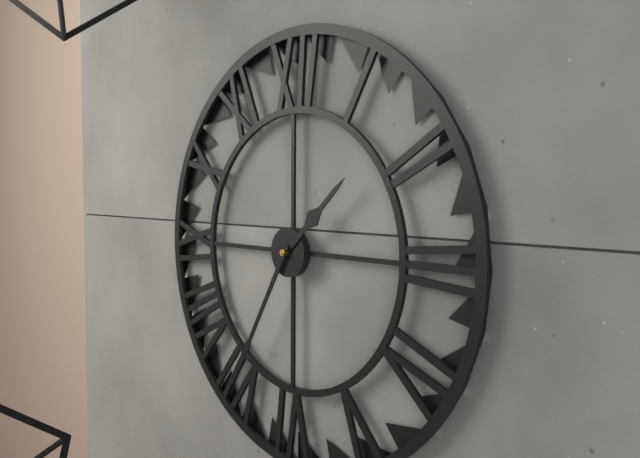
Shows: **1:35**
